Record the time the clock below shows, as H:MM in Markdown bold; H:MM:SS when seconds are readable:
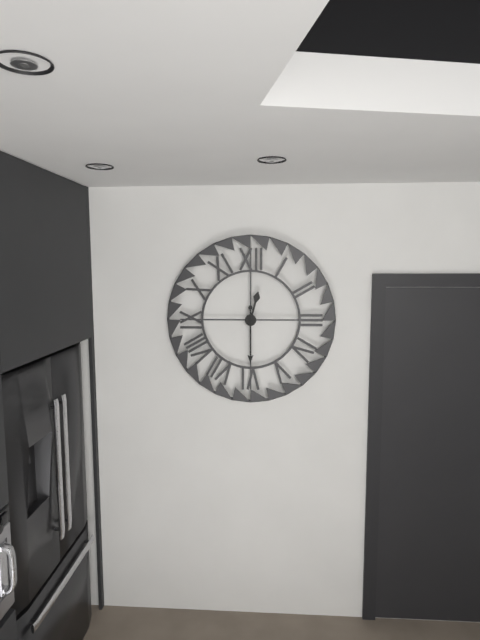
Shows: **12:30**
